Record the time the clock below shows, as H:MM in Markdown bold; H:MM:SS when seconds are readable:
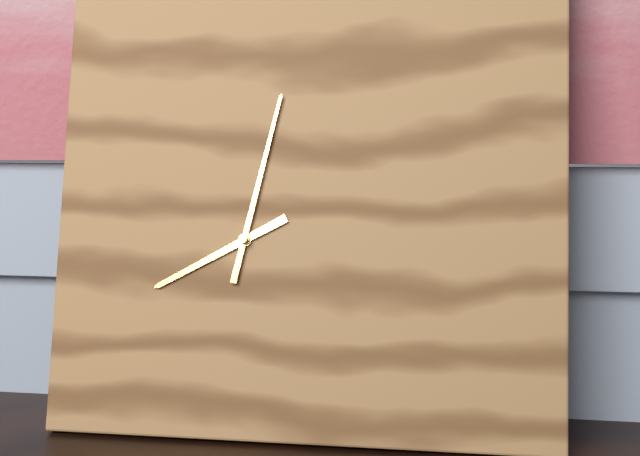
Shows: **8:02**
